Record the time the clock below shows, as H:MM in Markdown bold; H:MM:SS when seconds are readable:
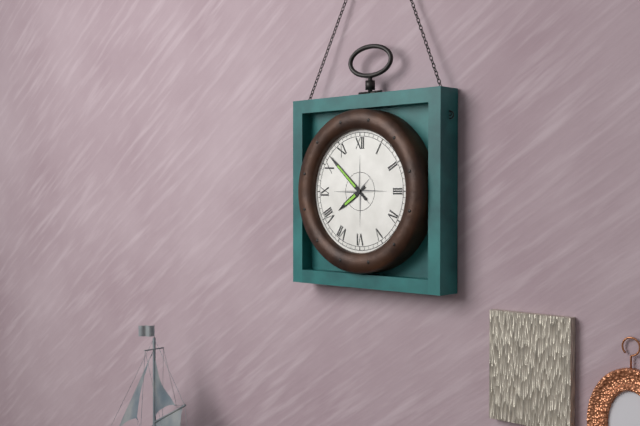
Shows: **7:52**
